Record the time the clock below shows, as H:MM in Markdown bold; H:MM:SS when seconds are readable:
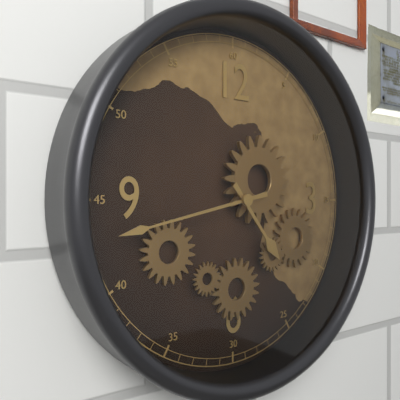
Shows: **4:43**
